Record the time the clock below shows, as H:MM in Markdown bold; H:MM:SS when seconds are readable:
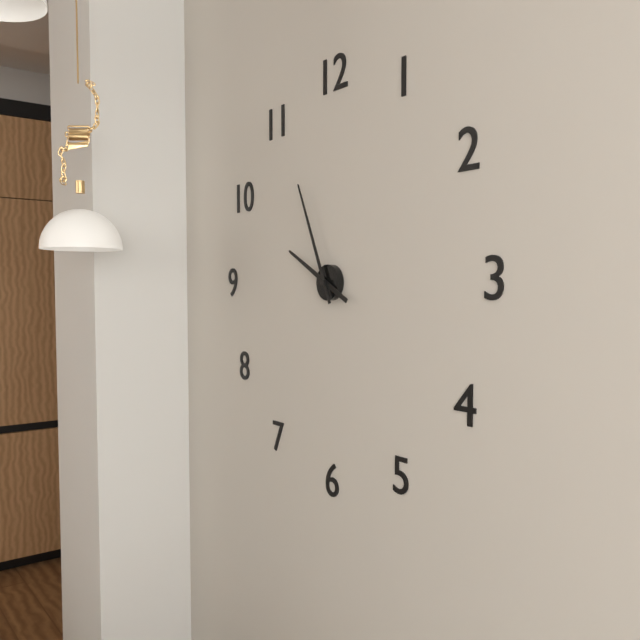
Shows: **9:56**
